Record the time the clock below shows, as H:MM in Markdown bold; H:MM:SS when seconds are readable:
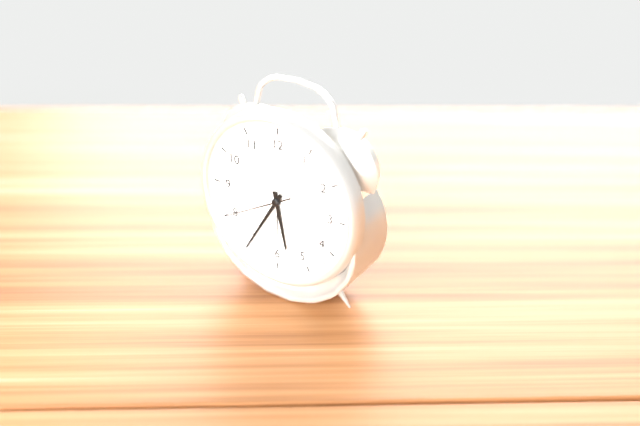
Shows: **5:35:40**
